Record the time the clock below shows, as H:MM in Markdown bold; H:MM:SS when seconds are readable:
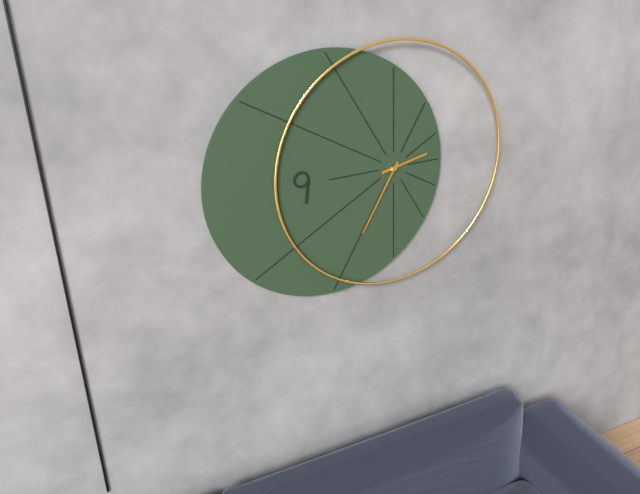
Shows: **2:35**
